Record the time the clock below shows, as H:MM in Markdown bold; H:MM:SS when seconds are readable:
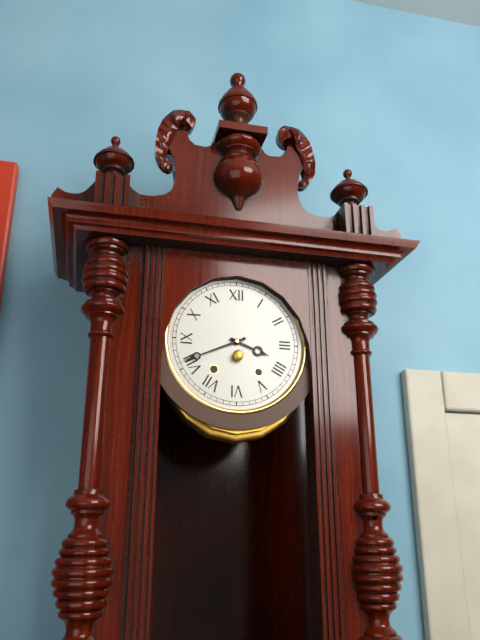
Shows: **3:41**
